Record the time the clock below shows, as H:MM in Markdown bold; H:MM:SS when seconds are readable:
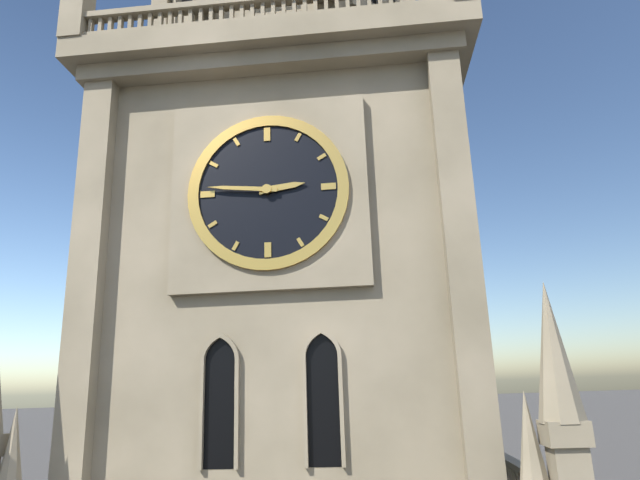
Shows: **2:46**
